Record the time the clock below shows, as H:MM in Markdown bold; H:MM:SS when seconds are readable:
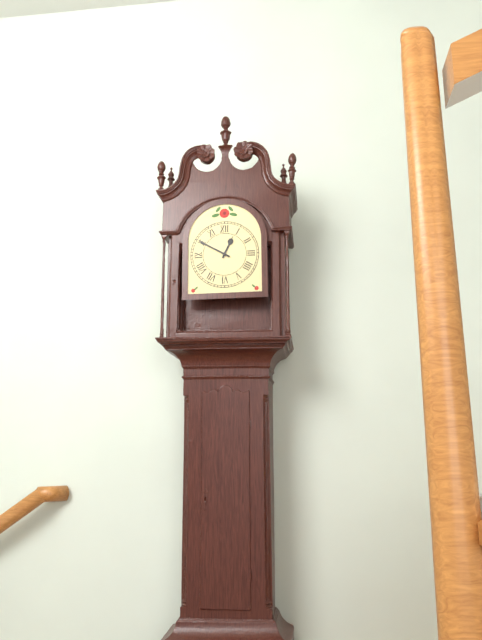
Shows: **12:50**
